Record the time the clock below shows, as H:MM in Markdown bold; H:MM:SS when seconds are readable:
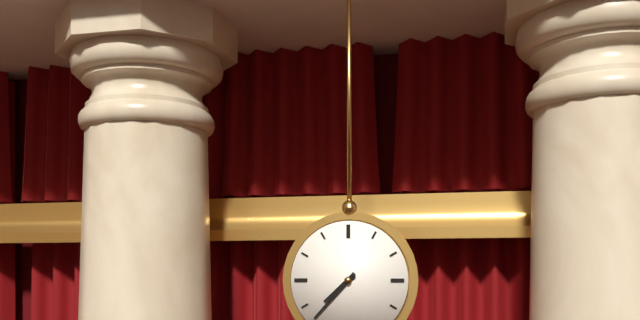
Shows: **7:37**
